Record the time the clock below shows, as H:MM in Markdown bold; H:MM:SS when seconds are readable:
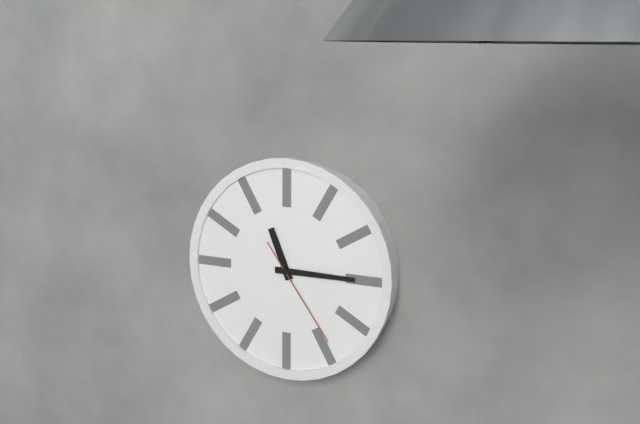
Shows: **11:15:24**
